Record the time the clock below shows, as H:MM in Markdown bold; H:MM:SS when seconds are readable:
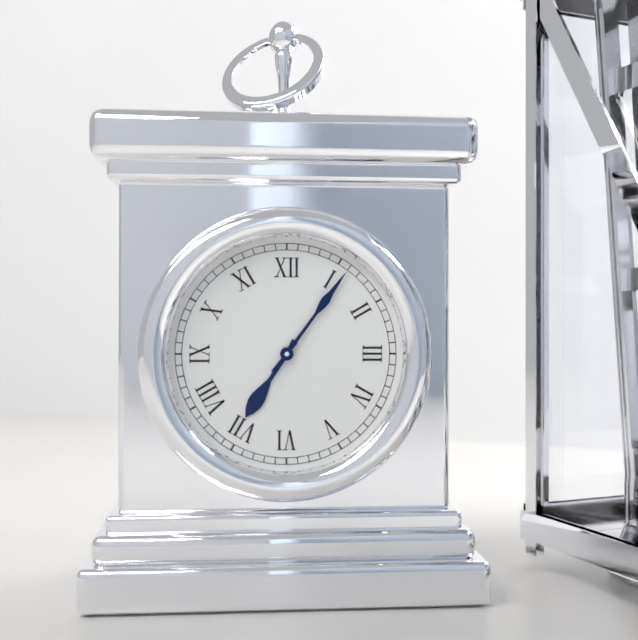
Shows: **7:06**
